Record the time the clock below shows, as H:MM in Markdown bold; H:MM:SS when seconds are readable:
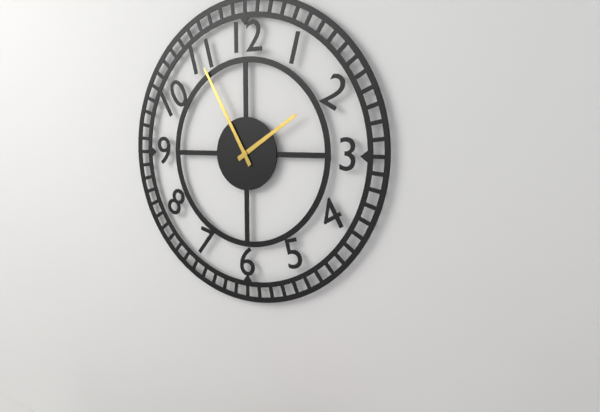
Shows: **1:55**
